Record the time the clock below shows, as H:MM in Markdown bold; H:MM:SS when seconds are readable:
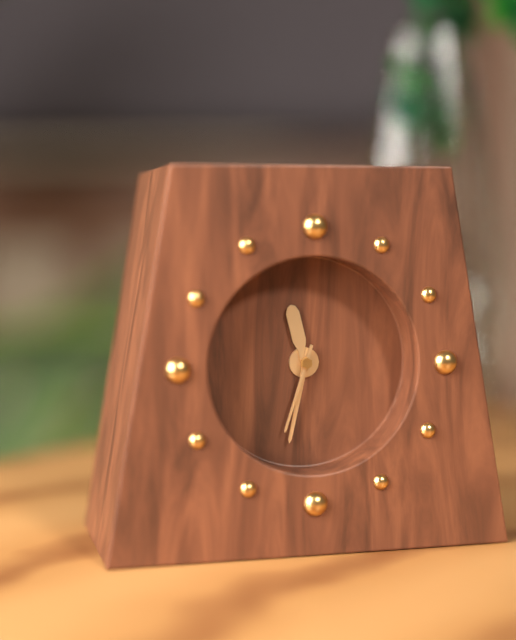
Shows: **11:32:33**
